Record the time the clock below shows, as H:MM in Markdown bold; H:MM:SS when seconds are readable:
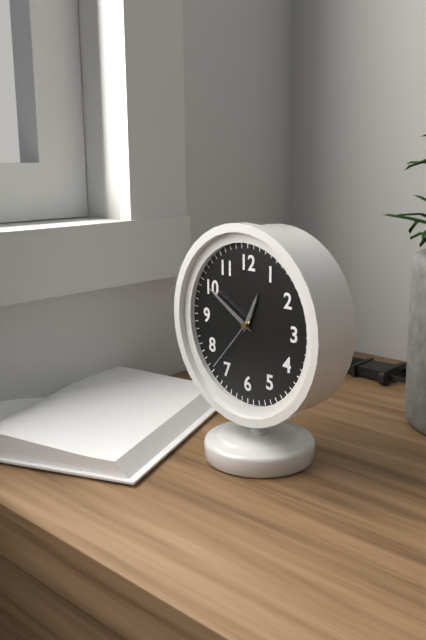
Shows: **12:50:37**
